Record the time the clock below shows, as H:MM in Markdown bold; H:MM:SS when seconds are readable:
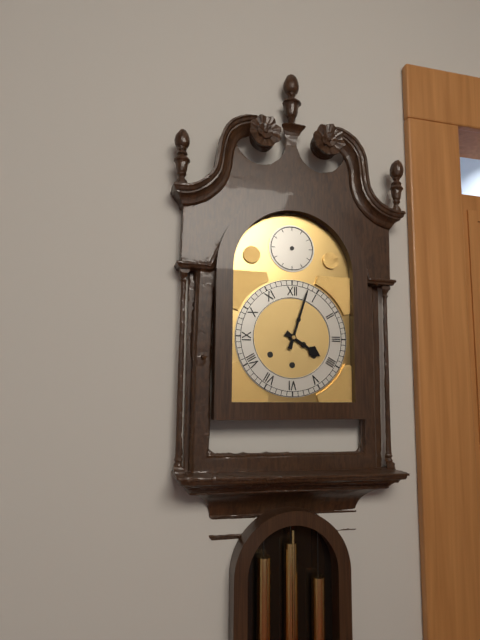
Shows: **4:03**
